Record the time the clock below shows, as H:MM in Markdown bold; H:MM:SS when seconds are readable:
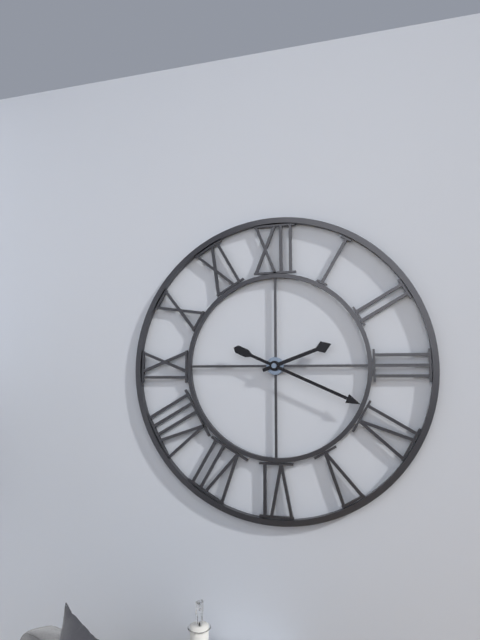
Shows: **2:19**
